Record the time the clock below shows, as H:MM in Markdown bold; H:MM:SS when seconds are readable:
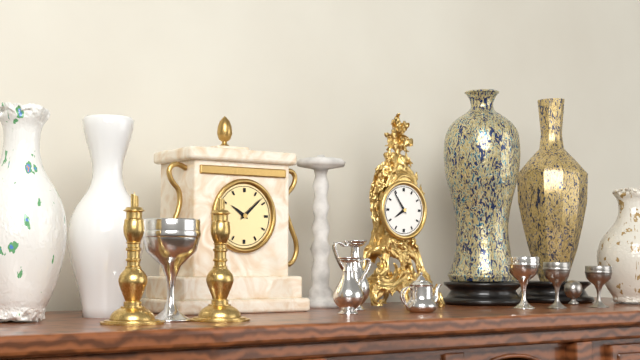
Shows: **7:54**
